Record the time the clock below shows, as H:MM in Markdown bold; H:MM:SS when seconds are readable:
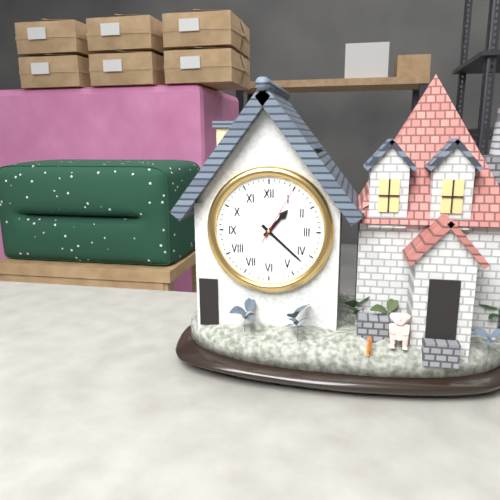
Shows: **1:22:05**
